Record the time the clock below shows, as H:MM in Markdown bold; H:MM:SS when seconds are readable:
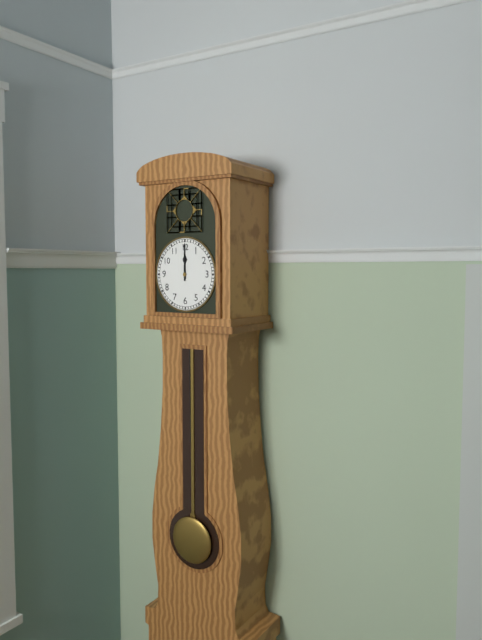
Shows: **12:00**
